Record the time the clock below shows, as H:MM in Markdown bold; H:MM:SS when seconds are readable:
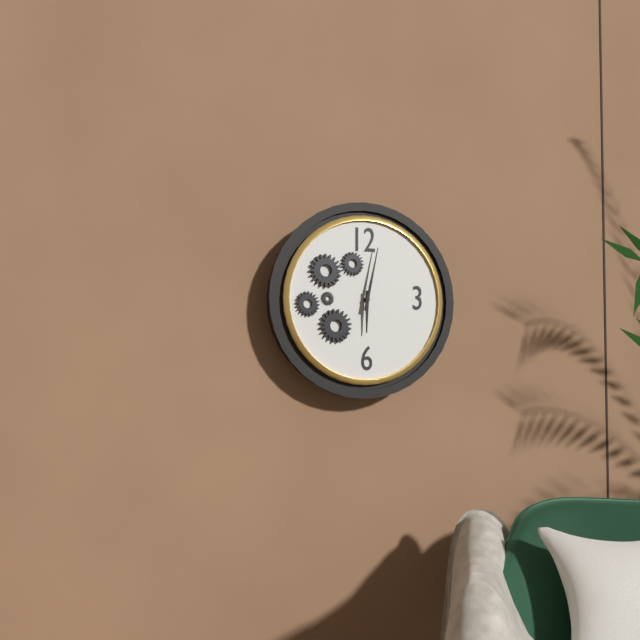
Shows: **6:02**
